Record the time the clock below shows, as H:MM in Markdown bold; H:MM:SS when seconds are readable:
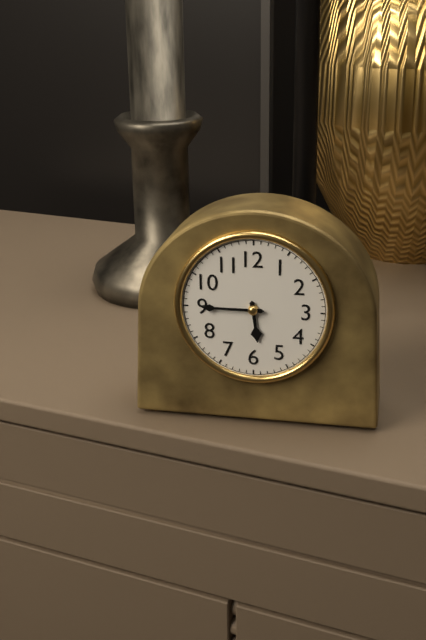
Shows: **5:45**
